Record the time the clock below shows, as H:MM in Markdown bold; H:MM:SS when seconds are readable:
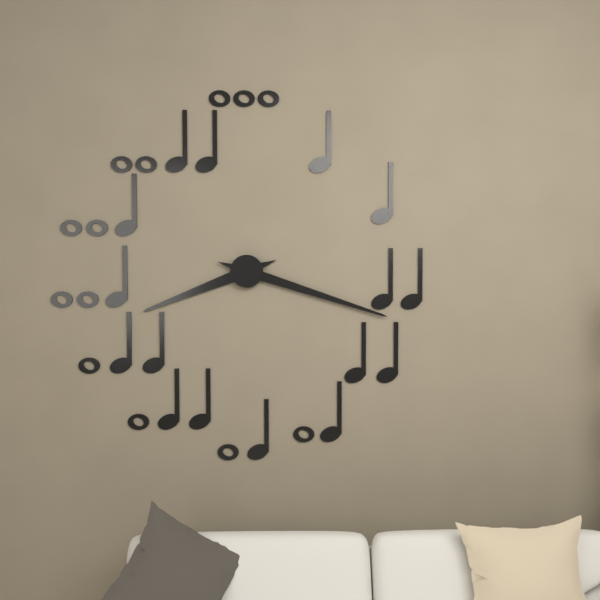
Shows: **8:18**
